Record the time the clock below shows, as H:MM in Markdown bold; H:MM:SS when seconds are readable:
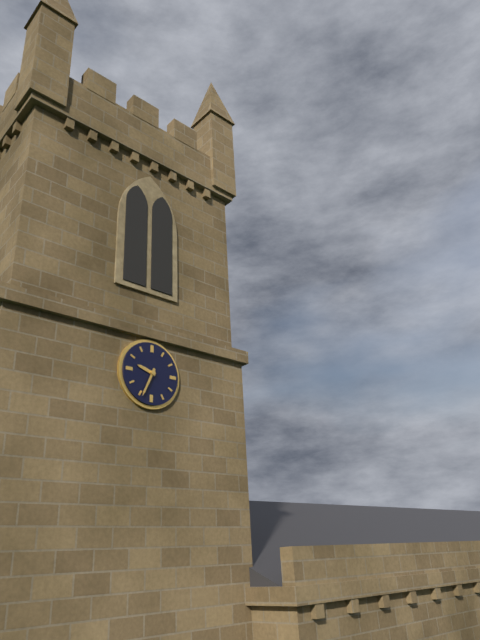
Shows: **9:34**
